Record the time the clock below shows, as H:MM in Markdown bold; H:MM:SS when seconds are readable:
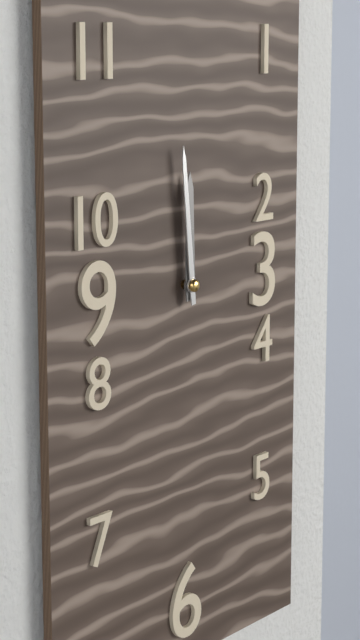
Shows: **11:59**
